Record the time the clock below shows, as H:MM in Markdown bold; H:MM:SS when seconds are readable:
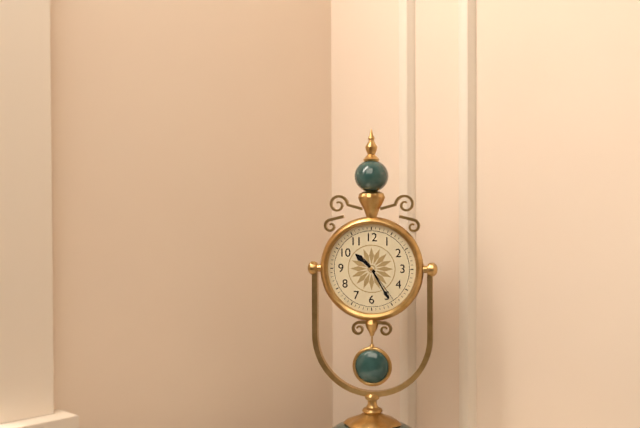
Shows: **10:25**
